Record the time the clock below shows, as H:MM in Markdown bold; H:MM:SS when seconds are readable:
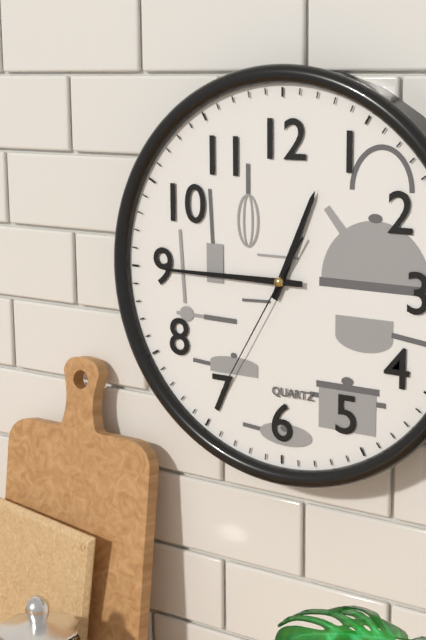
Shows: **12:45:35**
